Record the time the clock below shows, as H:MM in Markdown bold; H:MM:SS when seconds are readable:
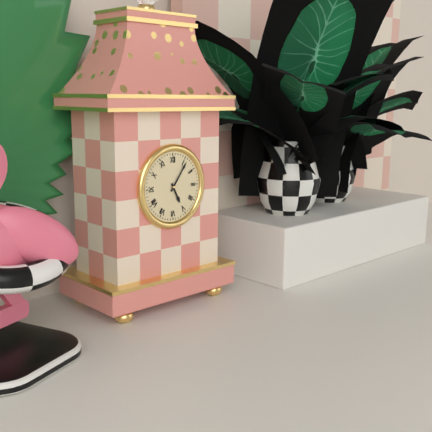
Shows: **5:06**
